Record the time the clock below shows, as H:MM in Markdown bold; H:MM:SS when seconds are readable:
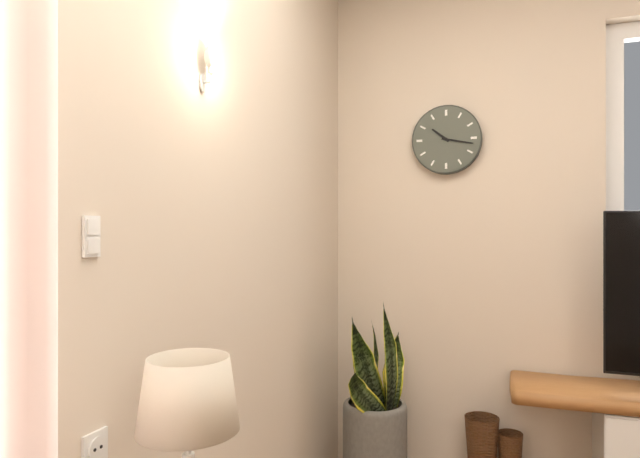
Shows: **10:17**
